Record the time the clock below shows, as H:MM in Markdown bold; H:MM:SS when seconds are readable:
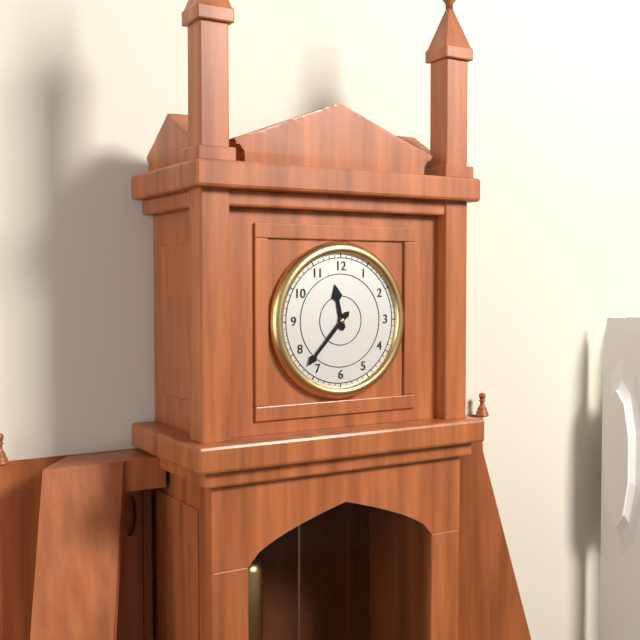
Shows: **11:37**
